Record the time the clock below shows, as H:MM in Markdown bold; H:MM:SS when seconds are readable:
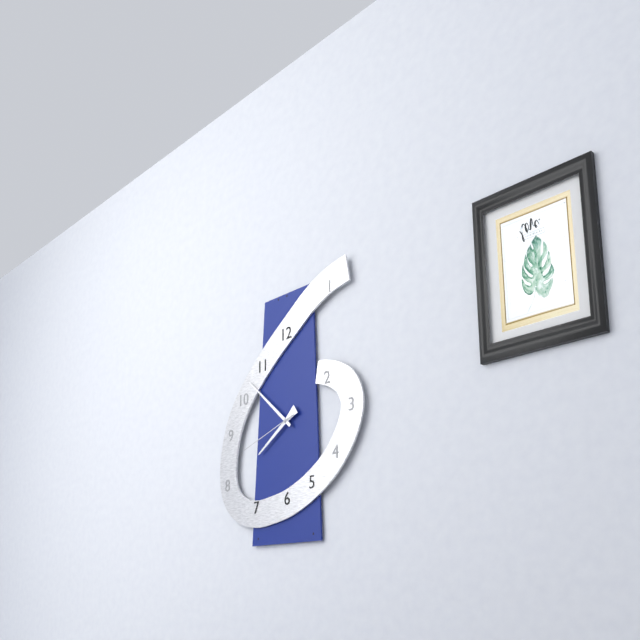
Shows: **7:52:42**
